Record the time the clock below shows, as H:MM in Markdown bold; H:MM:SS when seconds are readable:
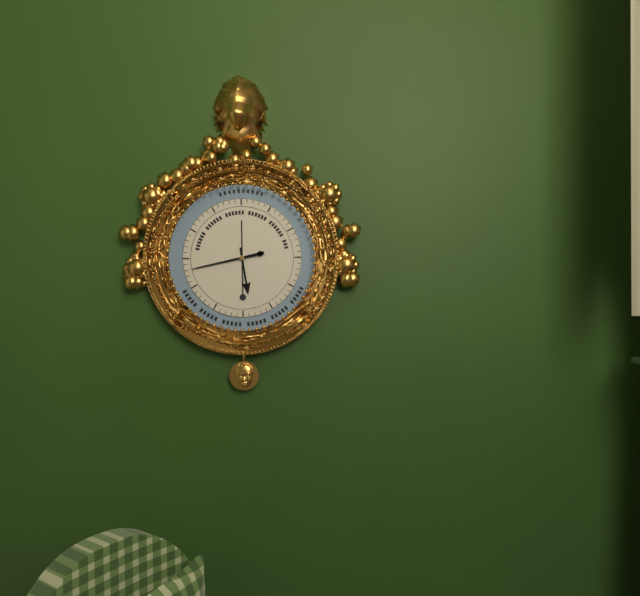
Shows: **5:43**
